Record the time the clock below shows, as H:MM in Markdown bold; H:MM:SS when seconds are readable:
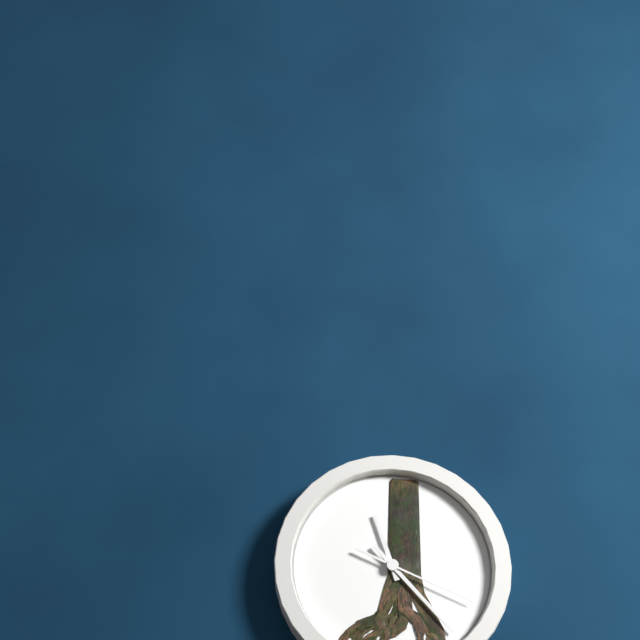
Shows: **11:23:19**
